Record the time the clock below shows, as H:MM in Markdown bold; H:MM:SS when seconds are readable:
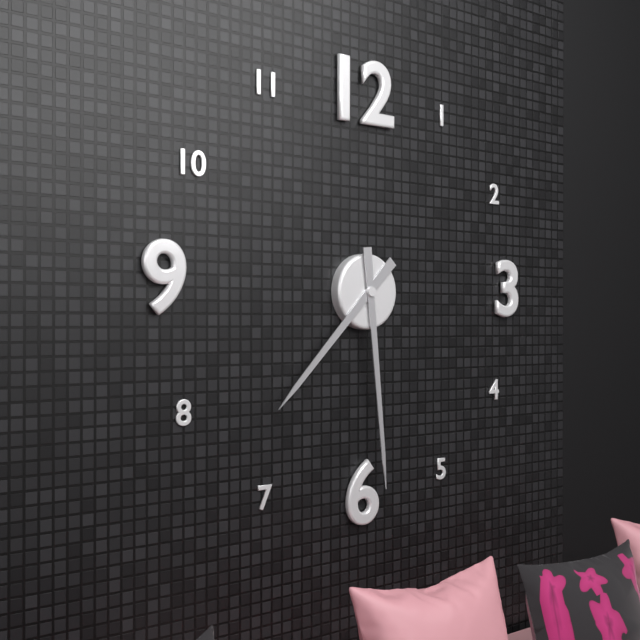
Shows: **7:29**
